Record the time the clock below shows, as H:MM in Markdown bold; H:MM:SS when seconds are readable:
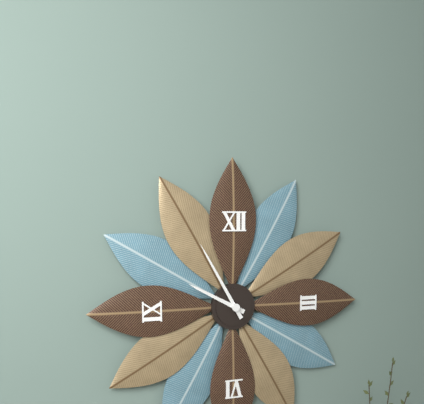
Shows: **9:55**
